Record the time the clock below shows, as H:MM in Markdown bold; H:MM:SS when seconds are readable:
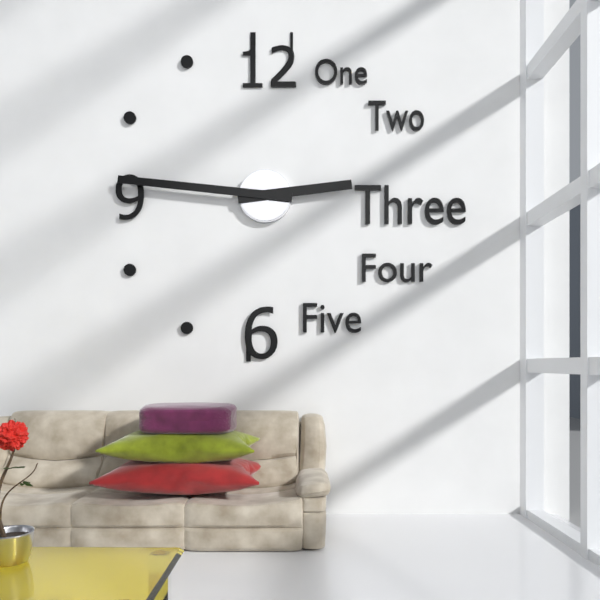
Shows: **2:46**
